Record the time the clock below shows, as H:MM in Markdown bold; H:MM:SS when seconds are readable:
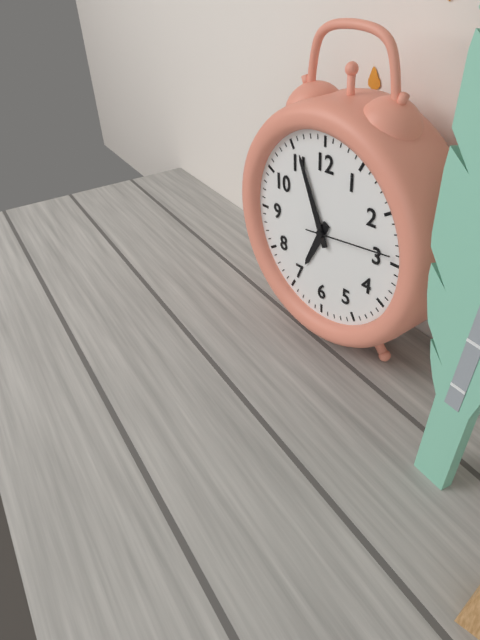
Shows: **6:56:14**
